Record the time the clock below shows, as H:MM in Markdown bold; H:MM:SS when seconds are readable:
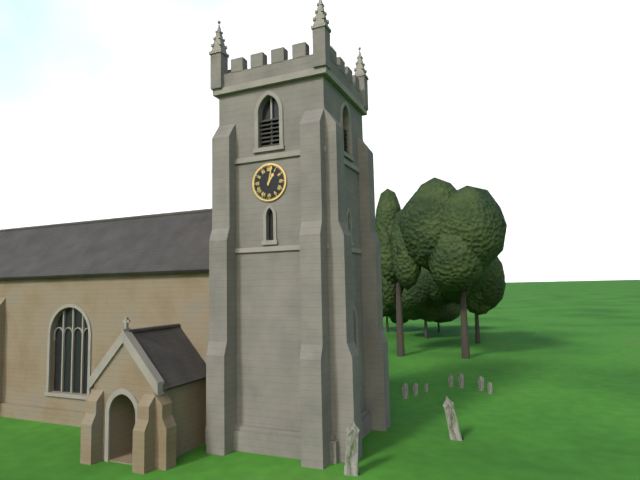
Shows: **1:02**
